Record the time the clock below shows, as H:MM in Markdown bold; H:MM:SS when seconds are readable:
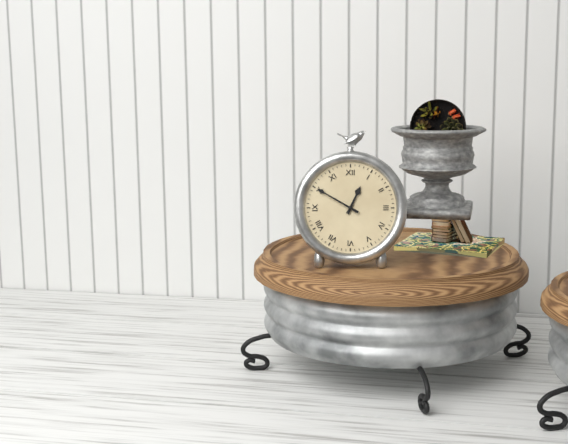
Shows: **12:50**
